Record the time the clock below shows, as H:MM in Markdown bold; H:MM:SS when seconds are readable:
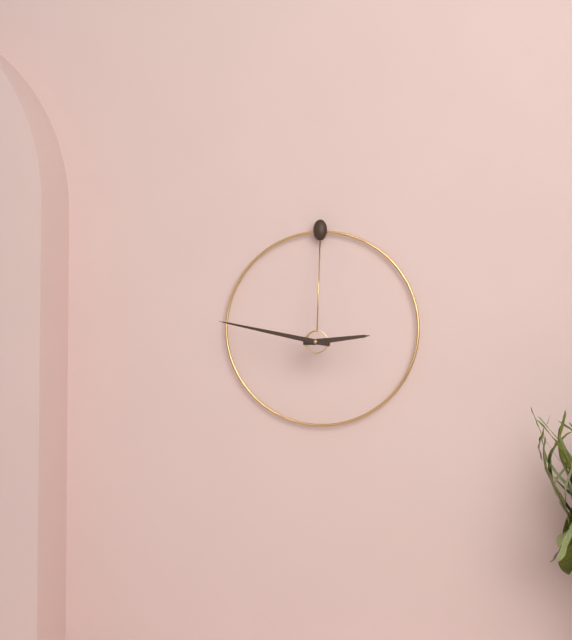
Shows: **2:47**
